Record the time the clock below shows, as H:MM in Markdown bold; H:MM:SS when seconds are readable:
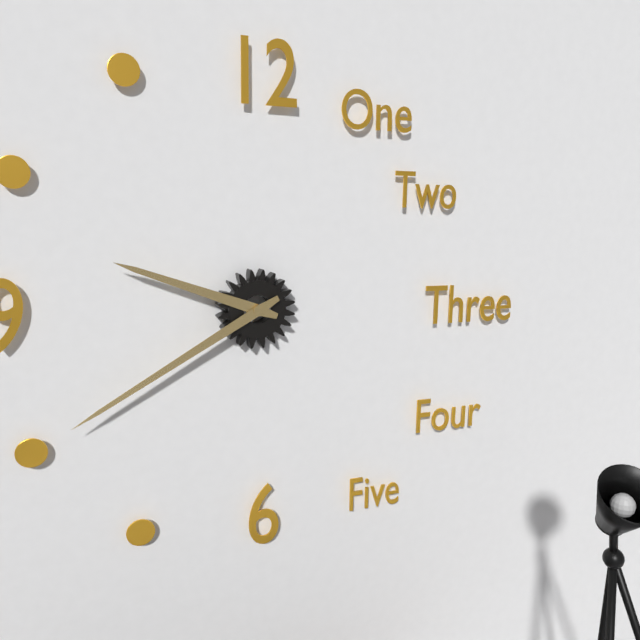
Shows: **9:40**
